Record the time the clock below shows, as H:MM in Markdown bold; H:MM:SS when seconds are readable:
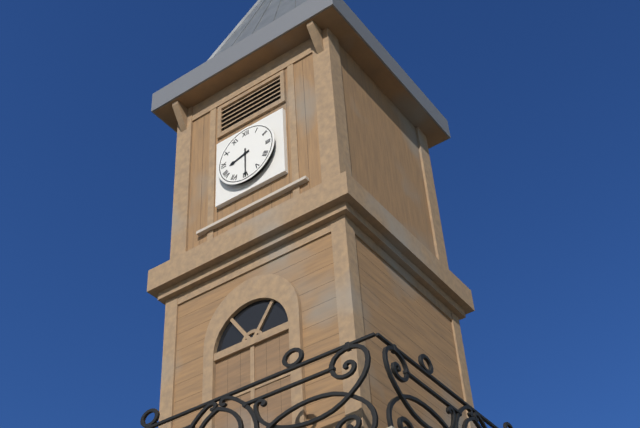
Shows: **8:30**
